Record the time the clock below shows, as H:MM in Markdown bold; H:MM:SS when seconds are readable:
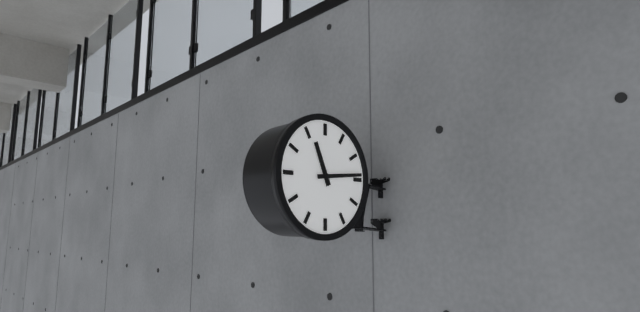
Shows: **11:14**
